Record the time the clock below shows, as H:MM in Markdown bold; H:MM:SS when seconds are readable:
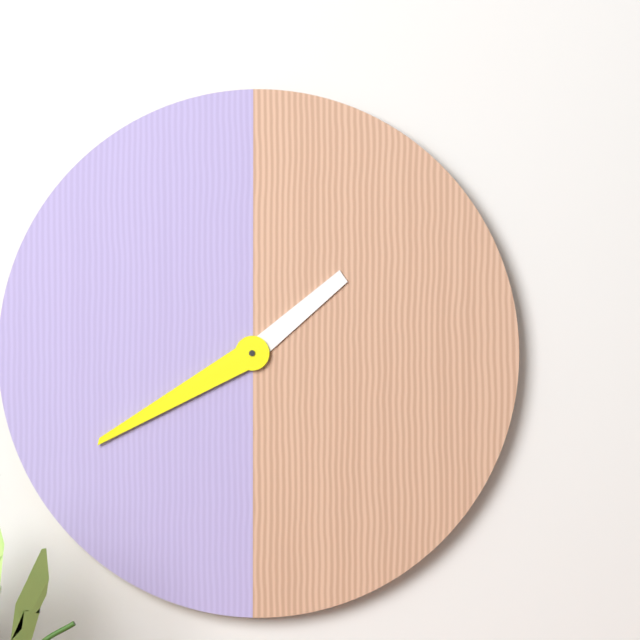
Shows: **1:40**
